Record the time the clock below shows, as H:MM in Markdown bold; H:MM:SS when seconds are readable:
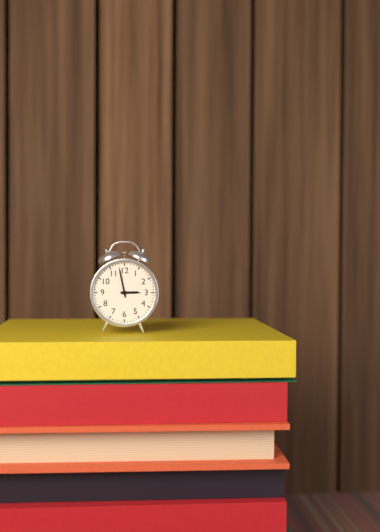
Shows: **2:58**
